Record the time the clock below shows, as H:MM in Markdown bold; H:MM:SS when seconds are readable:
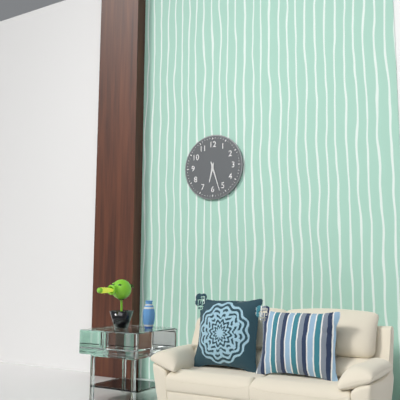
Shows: **6:27**
